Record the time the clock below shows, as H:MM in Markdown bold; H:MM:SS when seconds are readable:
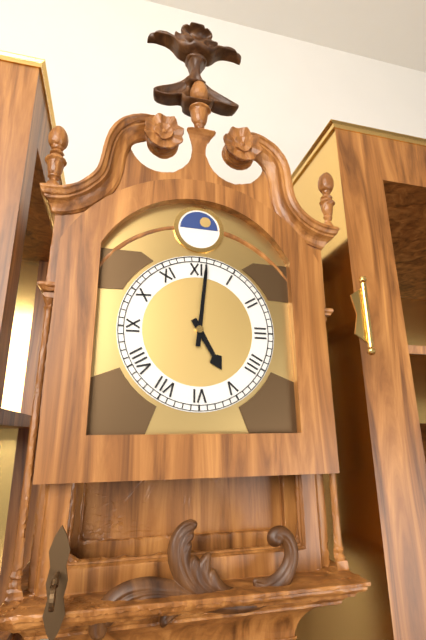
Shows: **5:01**
